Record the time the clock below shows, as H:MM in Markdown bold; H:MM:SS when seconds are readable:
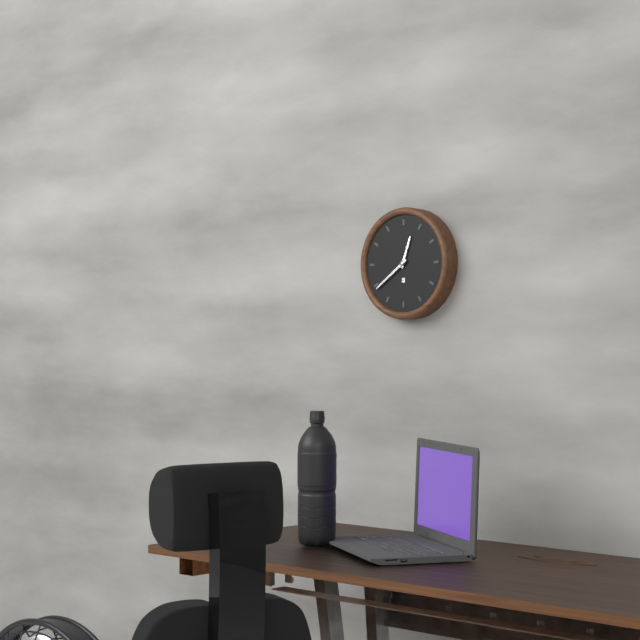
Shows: **12:39**
